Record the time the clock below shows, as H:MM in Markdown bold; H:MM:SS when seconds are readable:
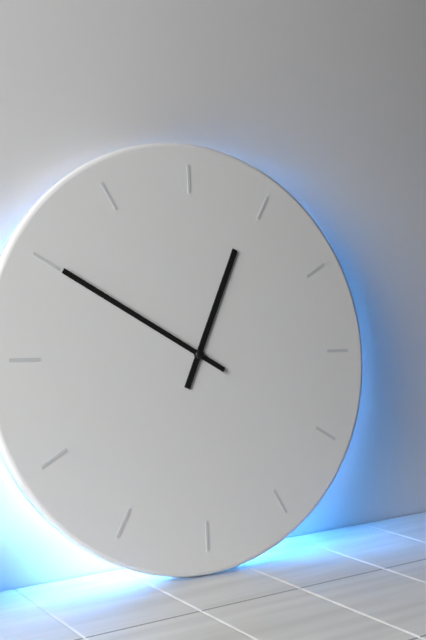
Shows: **12:50**
